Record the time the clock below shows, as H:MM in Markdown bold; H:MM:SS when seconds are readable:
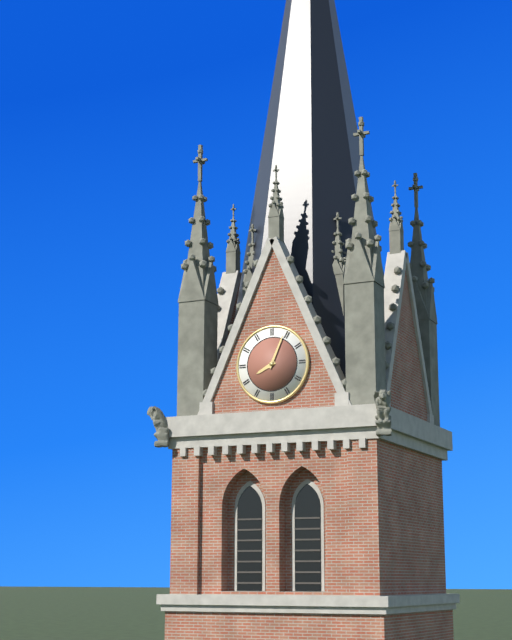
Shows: **8:04**
